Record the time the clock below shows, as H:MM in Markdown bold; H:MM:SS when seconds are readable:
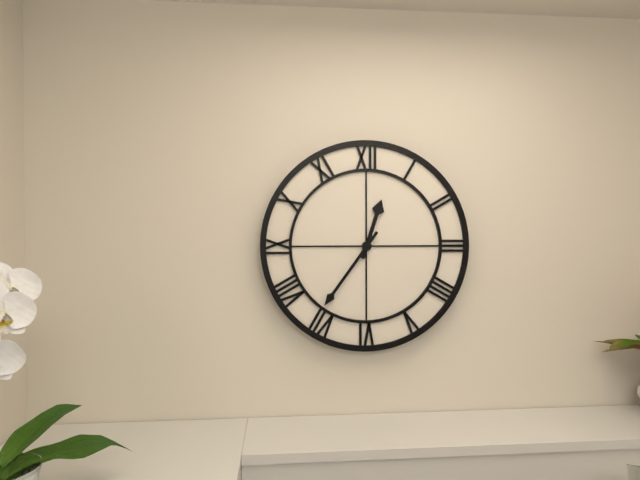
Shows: **12:36**
